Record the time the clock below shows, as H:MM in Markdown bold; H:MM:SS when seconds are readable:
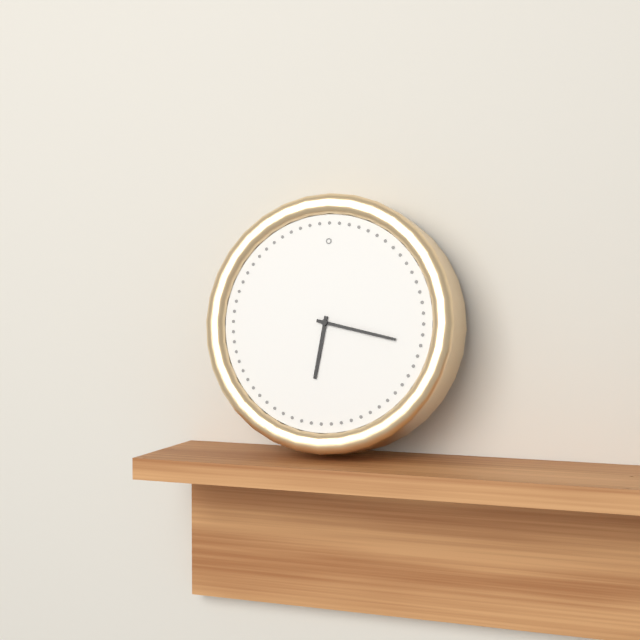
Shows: **6:17**
